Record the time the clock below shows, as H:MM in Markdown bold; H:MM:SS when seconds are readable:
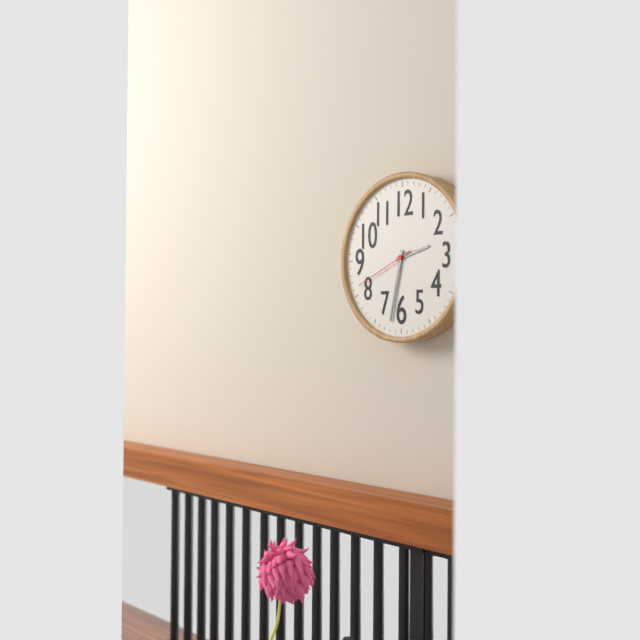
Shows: **2:32:41**
